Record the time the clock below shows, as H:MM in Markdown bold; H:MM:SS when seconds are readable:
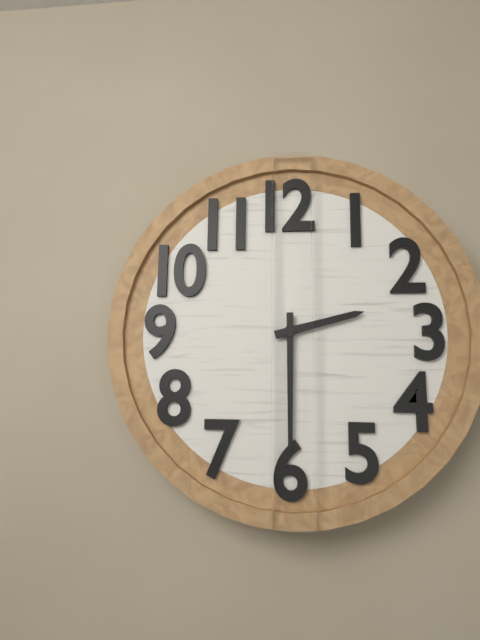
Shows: **2:30**
